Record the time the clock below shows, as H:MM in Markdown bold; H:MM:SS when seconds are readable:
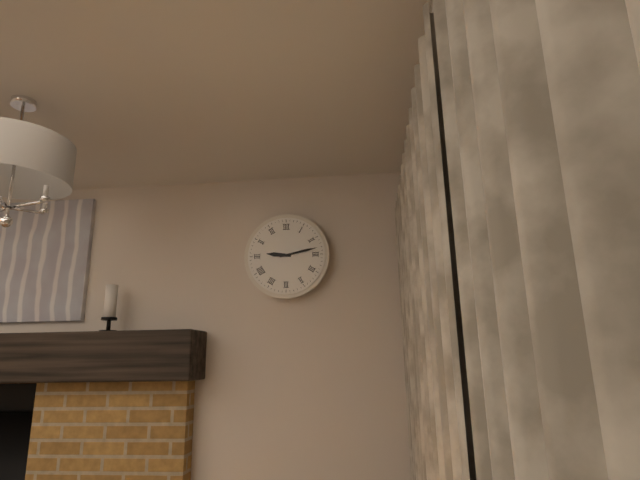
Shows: **9:13**
